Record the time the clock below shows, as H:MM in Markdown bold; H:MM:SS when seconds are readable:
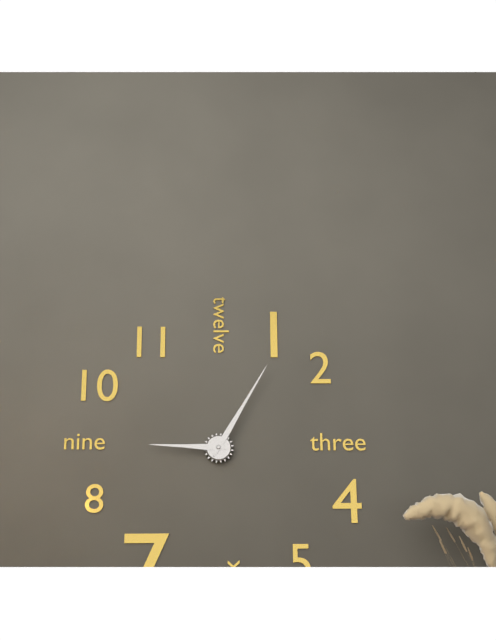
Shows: **9:05**
